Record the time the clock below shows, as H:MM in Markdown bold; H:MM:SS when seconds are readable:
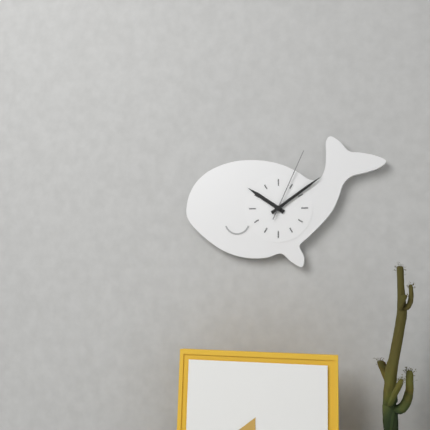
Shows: **10:09:04**
